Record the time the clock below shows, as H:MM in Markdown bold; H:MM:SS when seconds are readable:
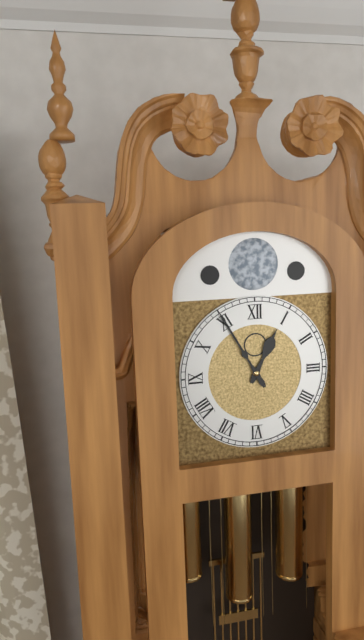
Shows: **12:55**
